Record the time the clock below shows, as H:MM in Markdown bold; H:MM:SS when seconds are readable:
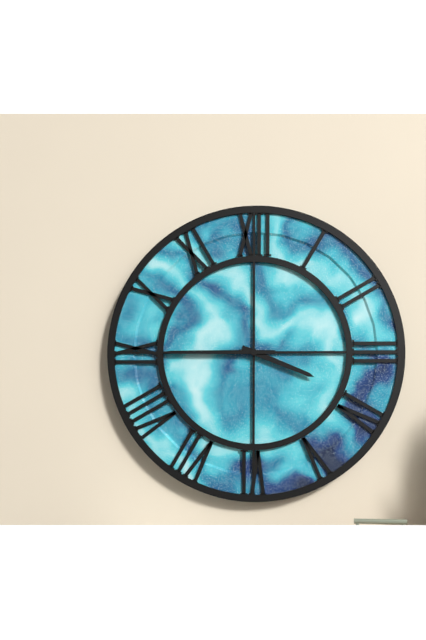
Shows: **3:45**
